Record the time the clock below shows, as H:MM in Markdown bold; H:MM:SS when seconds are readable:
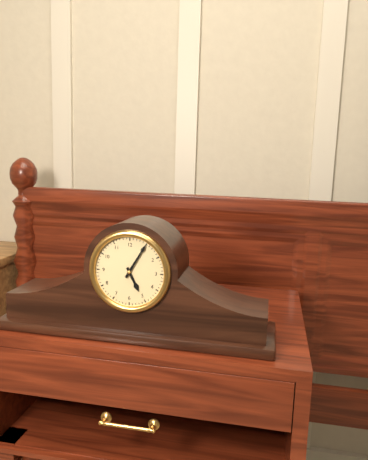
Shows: **5:05**
